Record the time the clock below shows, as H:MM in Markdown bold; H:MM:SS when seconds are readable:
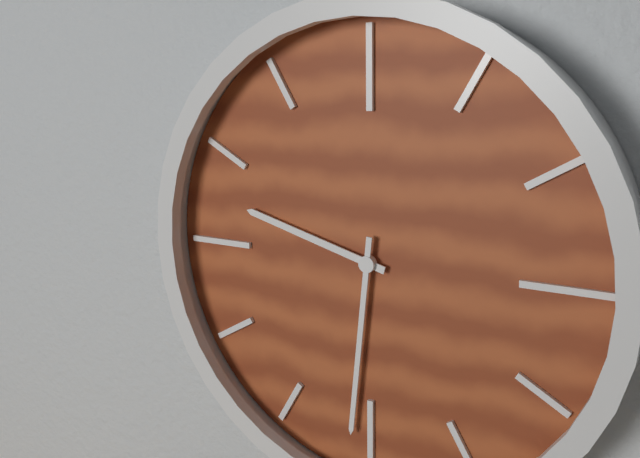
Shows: **9:31**
